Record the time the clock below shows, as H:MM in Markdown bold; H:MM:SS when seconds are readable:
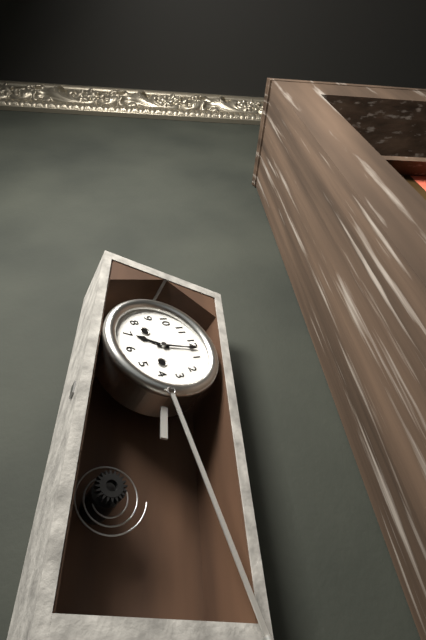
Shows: **7:02**
